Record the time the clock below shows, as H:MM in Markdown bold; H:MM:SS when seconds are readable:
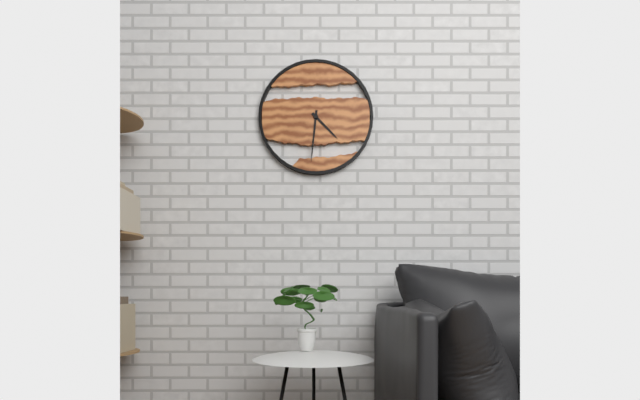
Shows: **4:31**
